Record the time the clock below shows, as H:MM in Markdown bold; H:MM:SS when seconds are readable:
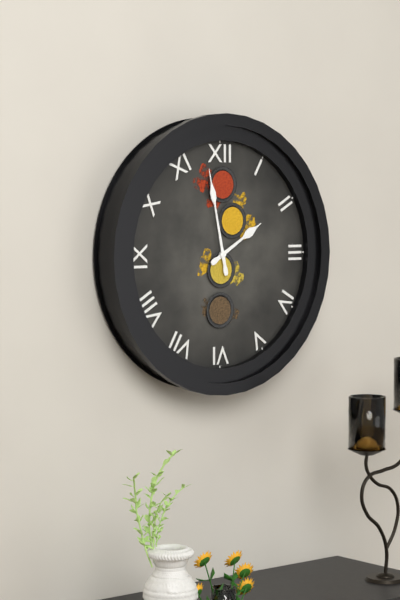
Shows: **1:58**
